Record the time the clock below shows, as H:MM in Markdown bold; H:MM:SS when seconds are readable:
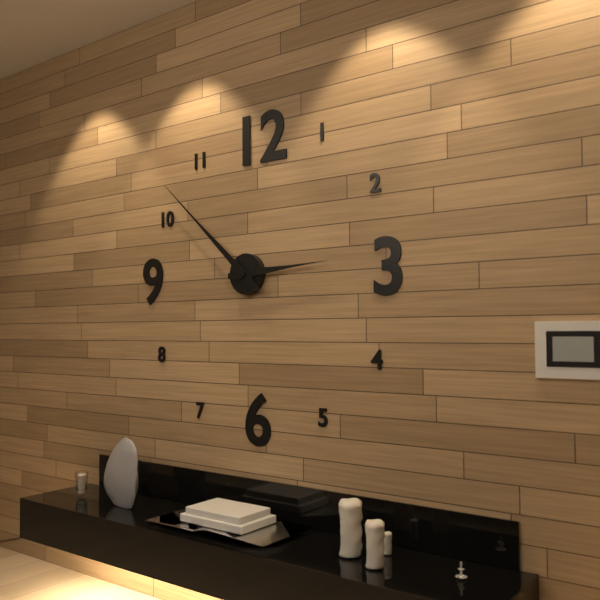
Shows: **2:52**
